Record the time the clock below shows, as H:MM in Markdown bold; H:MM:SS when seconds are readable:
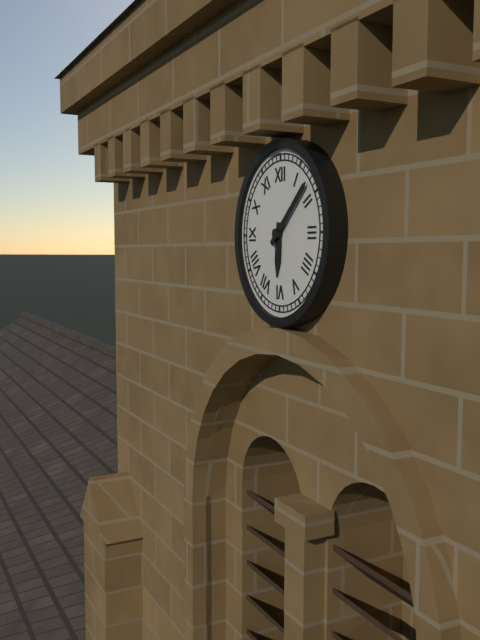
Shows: **6:08**
